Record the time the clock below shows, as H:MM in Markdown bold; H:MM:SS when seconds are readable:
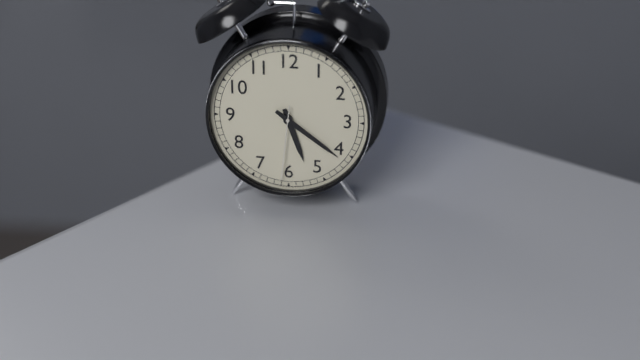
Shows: **5:21:31**
